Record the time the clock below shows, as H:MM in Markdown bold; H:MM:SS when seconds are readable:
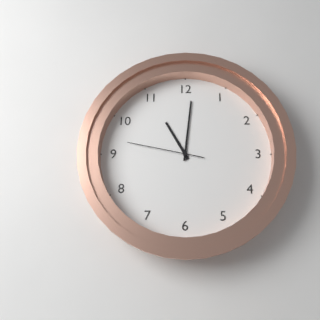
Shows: **11:01:47**
